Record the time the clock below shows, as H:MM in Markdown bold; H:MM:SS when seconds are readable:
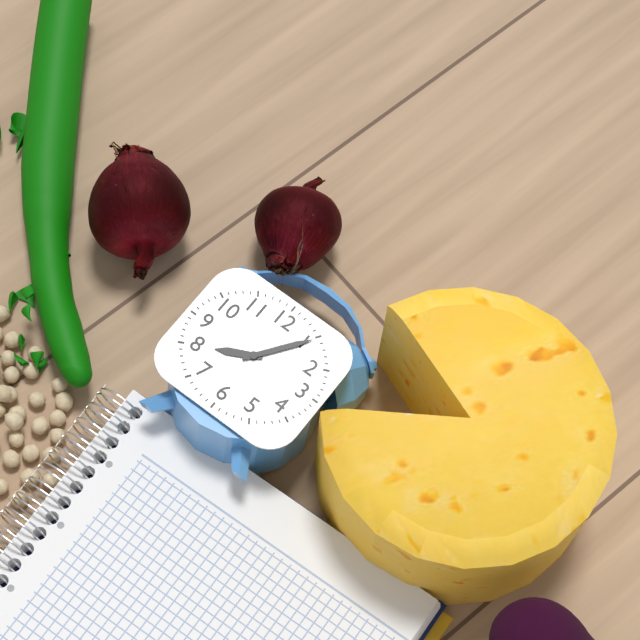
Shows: **8:06**
